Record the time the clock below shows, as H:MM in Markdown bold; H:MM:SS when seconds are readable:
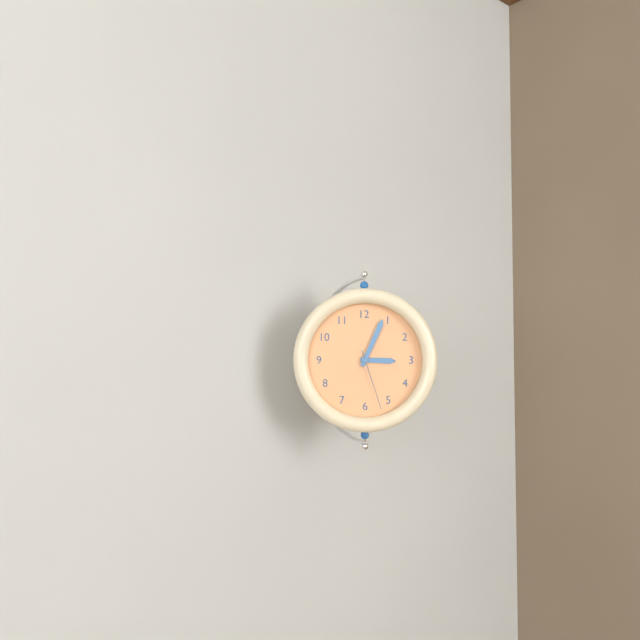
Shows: **3:04:27**
